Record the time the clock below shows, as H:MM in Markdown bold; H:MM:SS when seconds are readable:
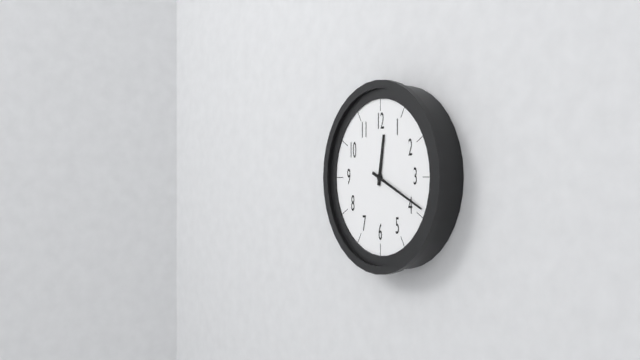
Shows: **12:19**
